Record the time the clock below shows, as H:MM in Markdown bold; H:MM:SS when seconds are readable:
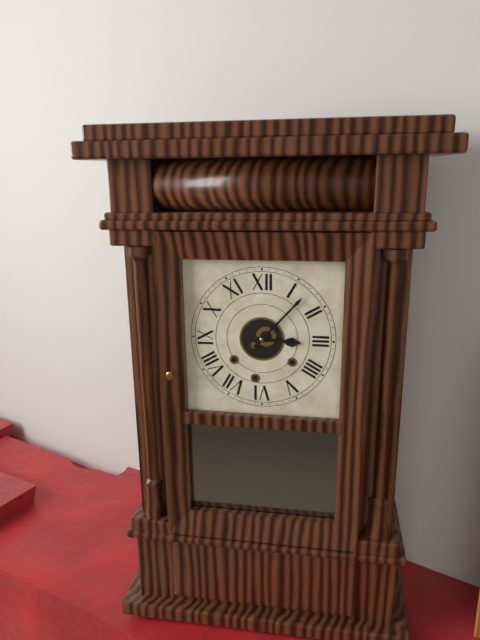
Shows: **3:07**
